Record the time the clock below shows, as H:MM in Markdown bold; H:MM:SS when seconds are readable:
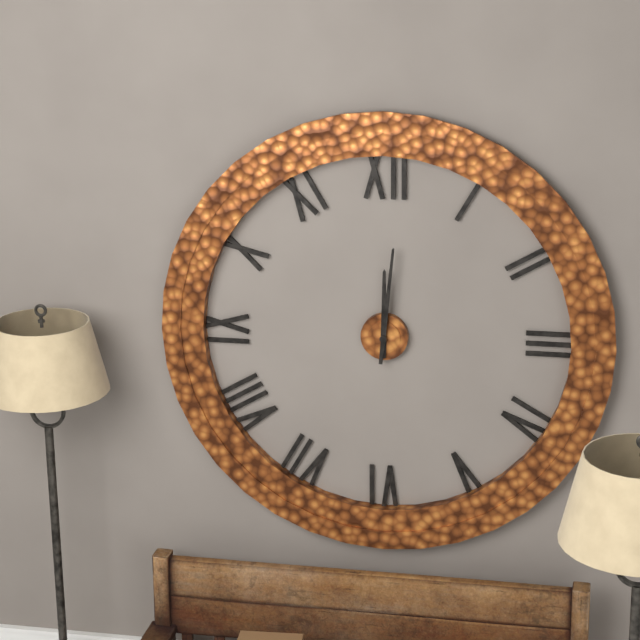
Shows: **12:01**
